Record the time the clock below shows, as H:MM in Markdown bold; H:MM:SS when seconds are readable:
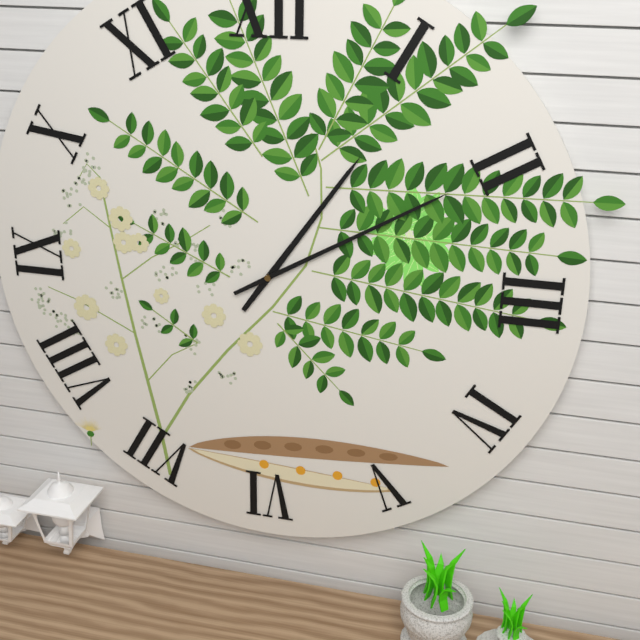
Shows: **1:10**
